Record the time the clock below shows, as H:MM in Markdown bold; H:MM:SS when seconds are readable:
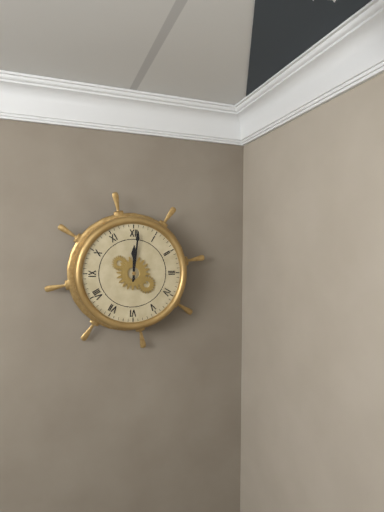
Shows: **12:01**
